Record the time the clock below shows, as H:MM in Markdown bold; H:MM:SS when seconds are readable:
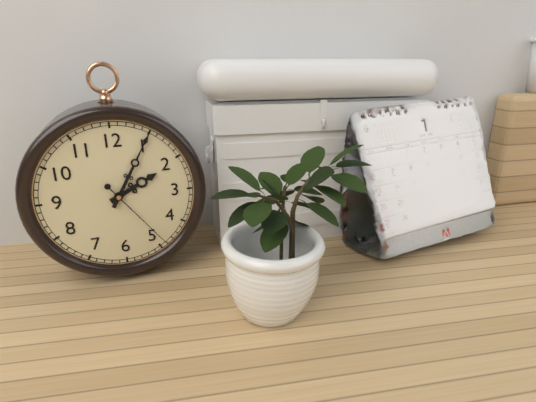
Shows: **2:05:24**
